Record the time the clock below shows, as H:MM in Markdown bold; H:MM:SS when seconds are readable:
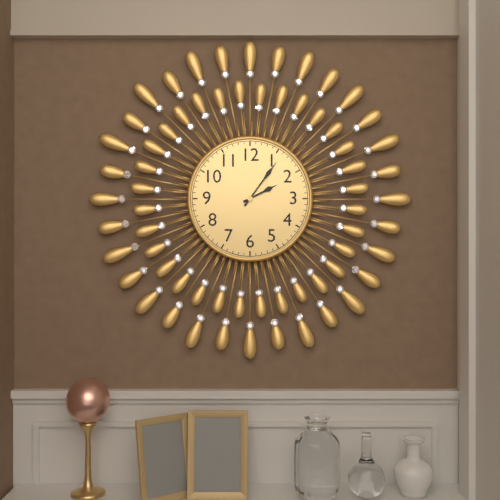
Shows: **2:06**
